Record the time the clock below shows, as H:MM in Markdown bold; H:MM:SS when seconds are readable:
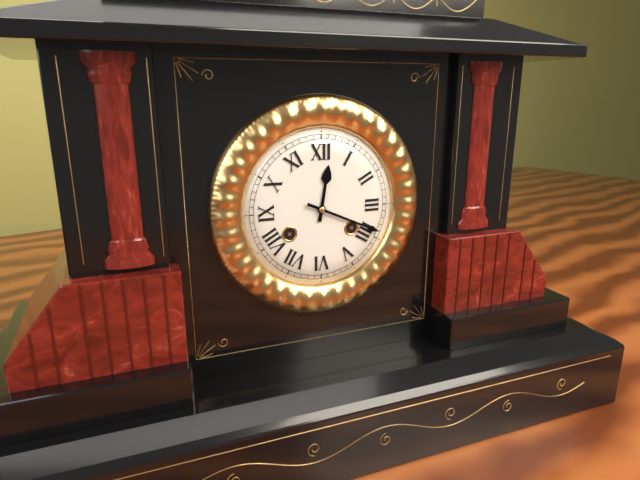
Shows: **12:19**
